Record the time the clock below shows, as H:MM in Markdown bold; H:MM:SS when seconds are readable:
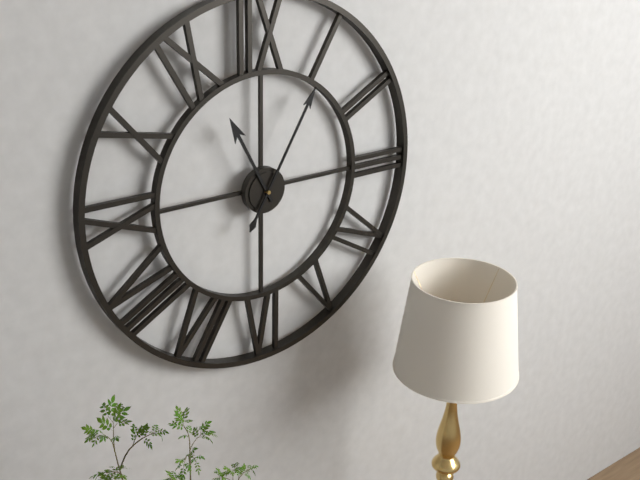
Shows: **11:05**
